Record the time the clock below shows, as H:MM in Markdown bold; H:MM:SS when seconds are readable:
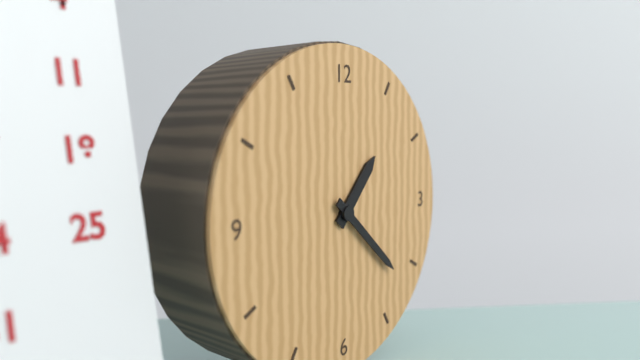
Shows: **1:22**
